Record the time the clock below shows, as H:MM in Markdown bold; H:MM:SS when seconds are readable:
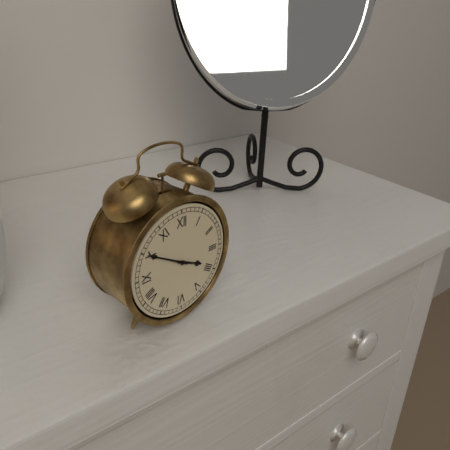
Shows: **3:50**
